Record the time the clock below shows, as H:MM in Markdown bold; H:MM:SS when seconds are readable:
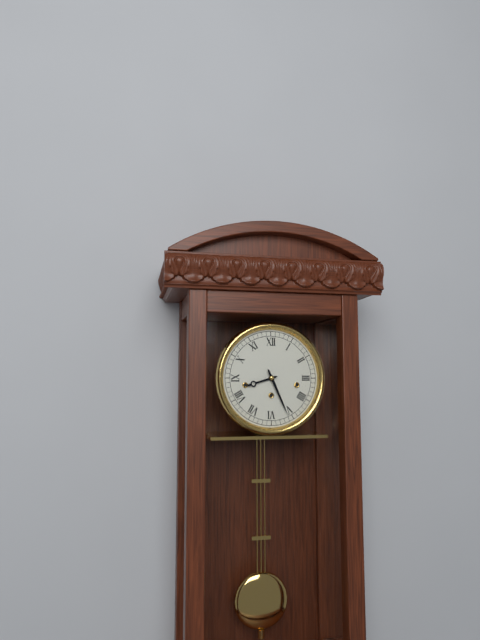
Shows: **8:26**
